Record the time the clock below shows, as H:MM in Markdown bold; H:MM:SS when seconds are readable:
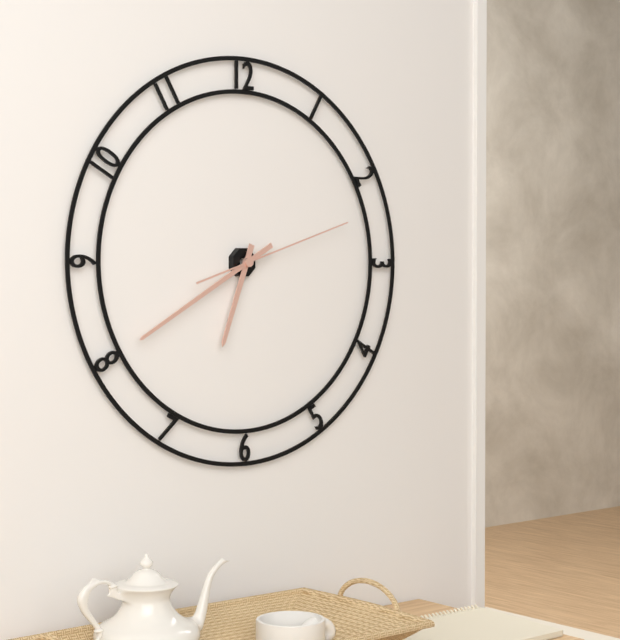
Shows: **6:40:12**
